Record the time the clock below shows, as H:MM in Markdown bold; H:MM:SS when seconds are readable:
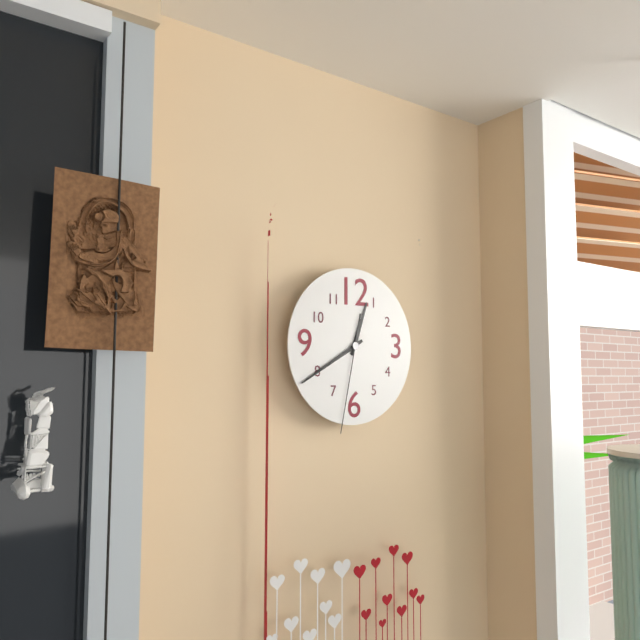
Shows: **12:40:32**
